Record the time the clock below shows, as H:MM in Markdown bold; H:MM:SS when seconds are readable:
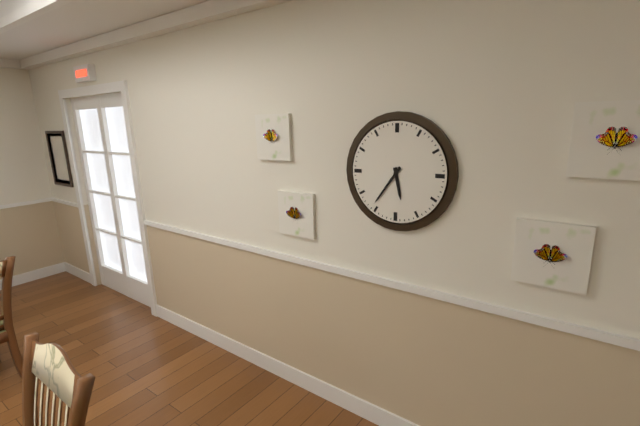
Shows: **5:36**
